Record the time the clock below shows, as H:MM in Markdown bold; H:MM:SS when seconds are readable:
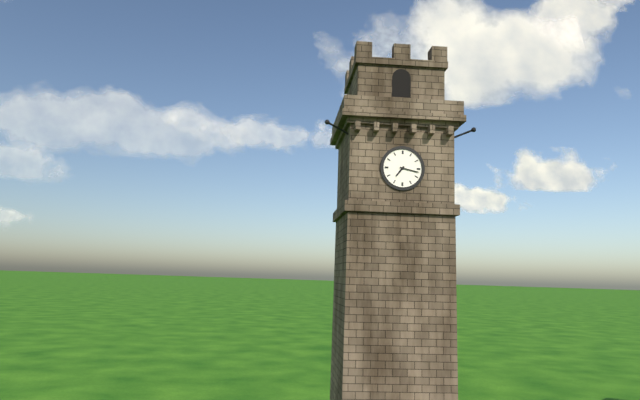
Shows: **7:17**
